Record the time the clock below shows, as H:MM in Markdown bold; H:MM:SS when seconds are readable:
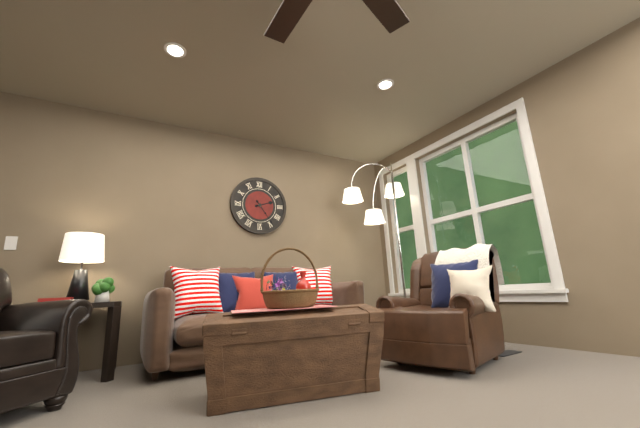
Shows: **2:24**
